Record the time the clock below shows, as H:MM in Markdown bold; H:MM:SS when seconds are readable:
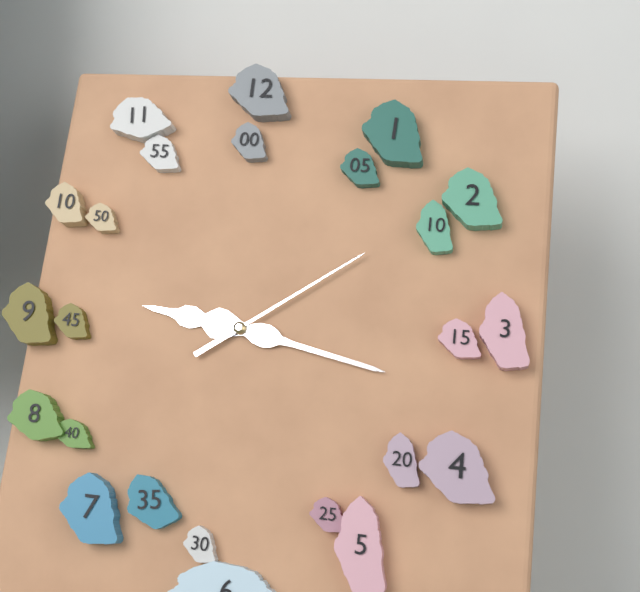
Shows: **9:17:09**
